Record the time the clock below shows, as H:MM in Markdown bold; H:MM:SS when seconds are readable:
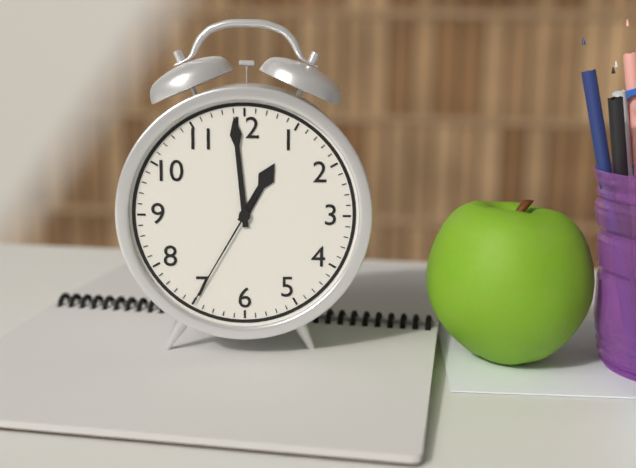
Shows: **12:59:35**
